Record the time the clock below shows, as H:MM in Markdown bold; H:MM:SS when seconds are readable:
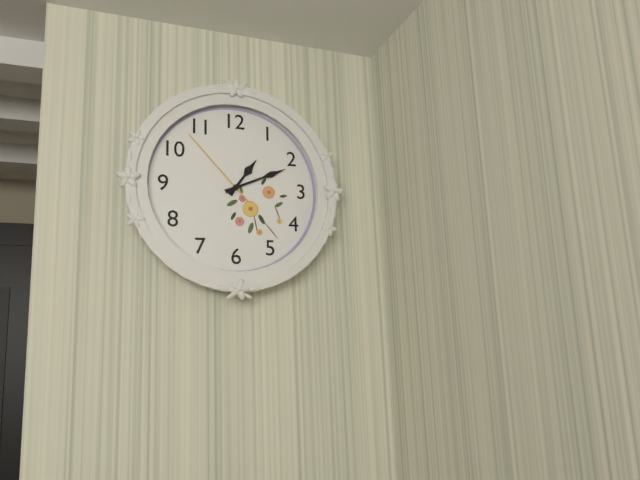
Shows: **1:11:53**
